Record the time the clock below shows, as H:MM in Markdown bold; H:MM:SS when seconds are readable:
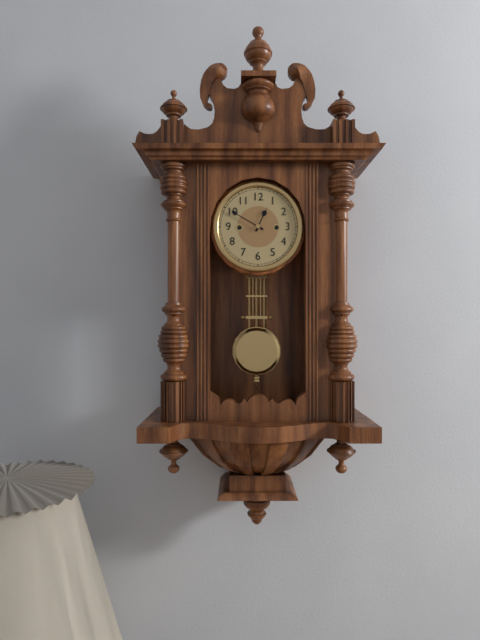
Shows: **12:50**
